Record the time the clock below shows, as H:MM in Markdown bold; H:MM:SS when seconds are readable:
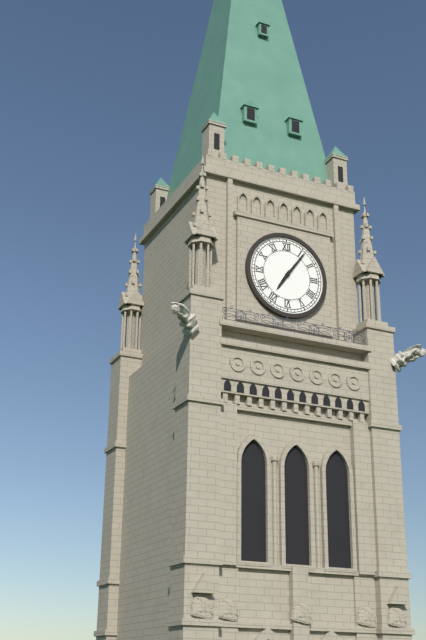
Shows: **7:06**
